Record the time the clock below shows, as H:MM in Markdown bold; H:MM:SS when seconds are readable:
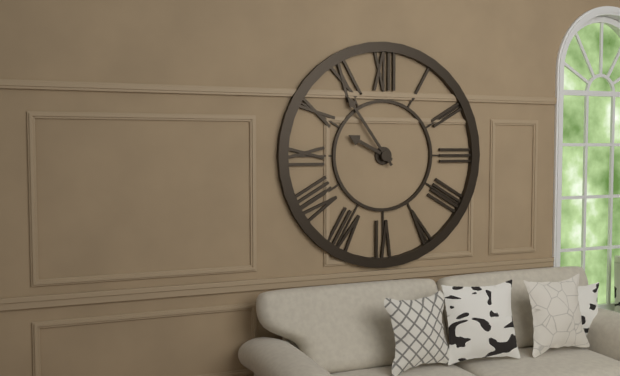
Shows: **9:54**
